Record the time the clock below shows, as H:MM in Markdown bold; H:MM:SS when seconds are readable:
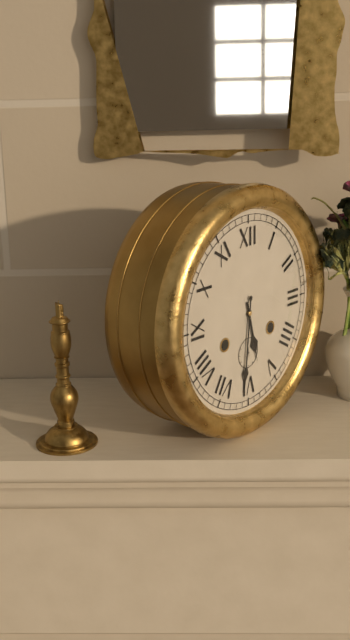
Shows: **5:31**
